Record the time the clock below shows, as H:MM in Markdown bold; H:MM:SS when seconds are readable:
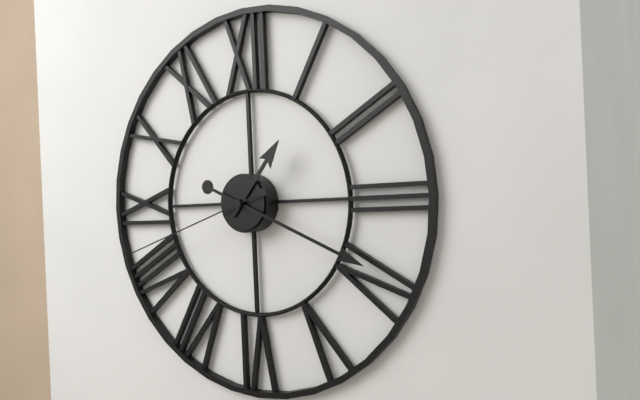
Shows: **1:19:42**
